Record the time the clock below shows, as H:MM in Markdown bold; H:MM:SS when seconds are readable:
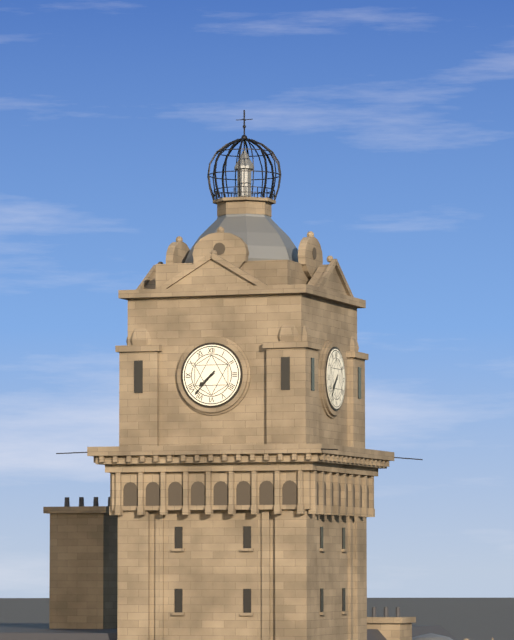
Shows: **7:37**
